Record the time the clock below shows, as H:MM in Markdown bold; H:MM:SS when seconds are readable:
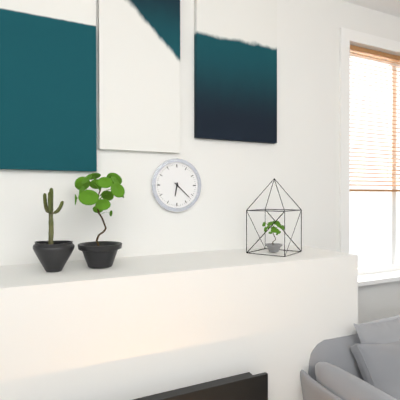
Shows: **6:22**
